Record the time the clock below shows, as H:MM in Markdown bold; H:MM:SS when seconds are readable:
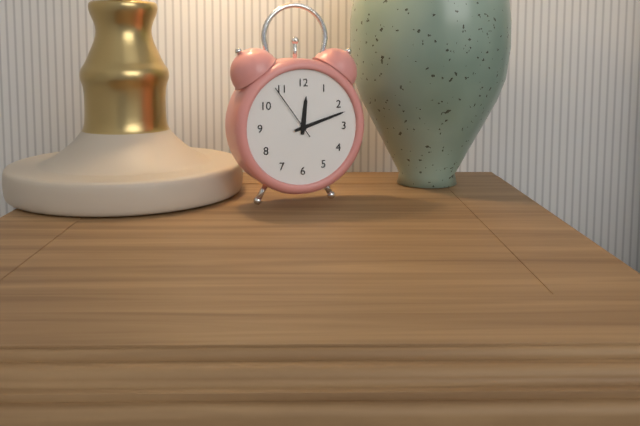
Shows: **12:12:54**
